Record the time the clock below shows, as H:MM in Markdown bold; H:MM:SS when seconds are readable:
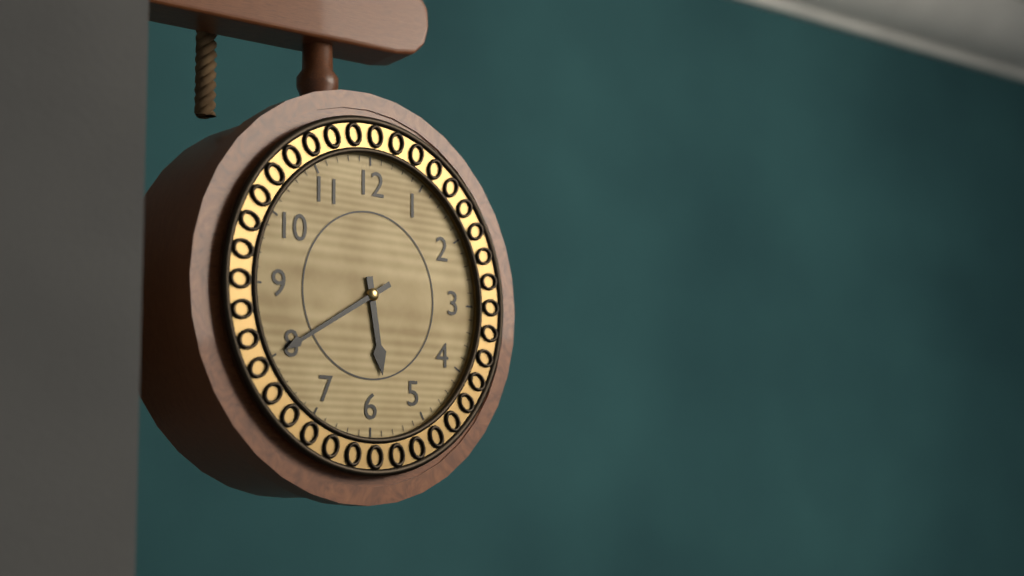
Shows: **5:40**
